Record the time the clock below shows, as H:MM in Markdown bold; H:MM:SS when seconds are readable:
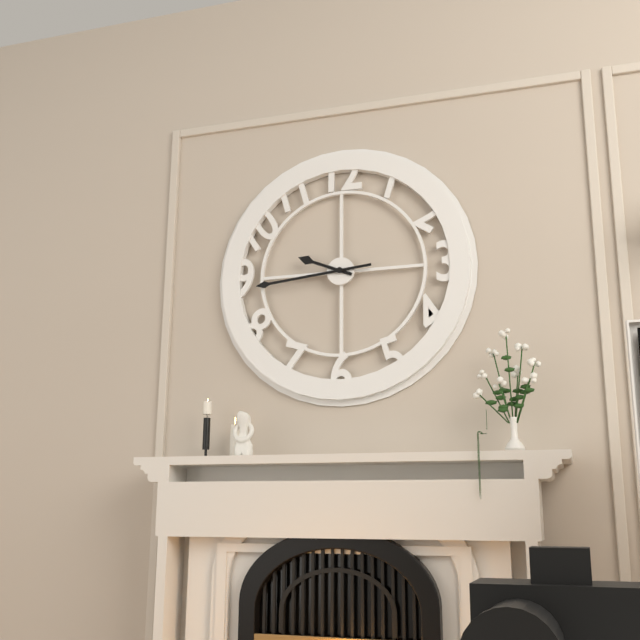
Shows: **9:44**
